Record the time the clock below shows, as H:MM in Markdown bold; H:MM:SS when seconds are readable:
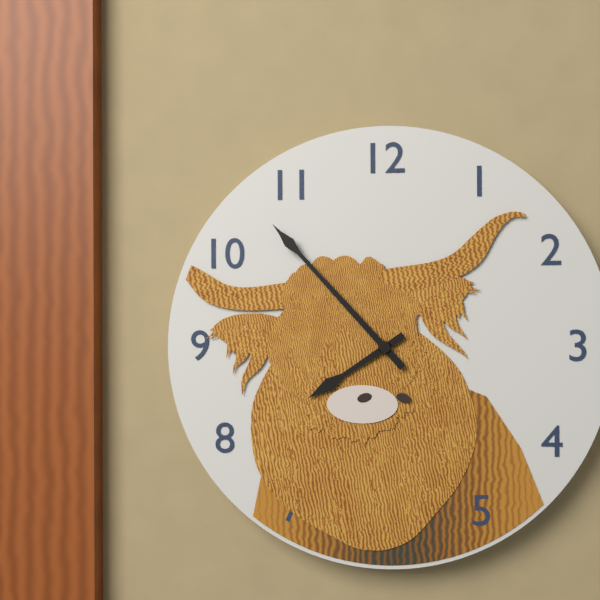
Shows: **7:53**
